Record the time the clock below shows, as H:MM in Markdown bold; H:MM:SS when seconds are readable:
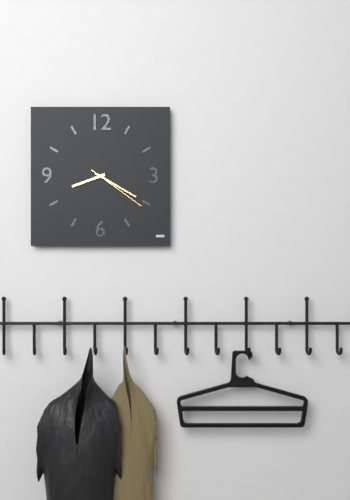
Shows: **8:20:21**
